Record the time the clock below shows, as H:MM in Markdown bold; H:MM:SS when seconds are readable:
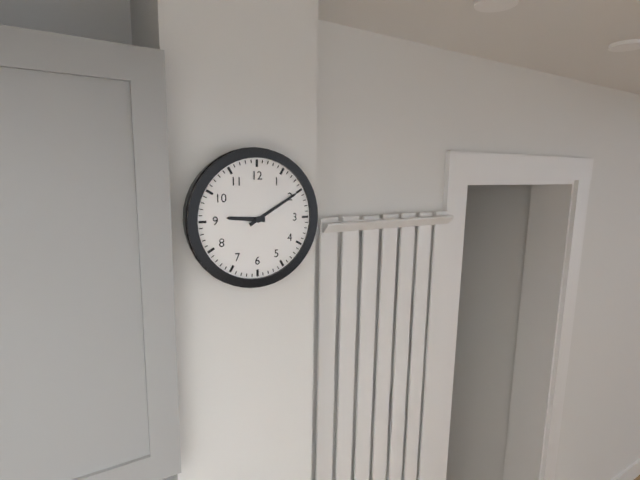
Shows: **9:10**
